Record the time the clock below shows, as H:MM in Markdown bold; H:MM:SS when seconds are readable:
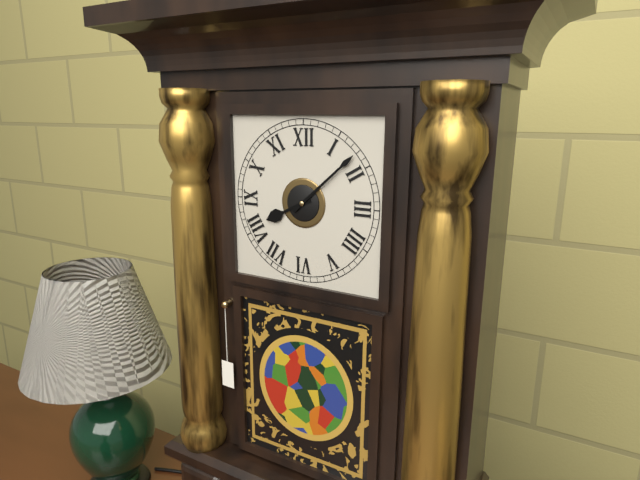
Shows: **8:08**
